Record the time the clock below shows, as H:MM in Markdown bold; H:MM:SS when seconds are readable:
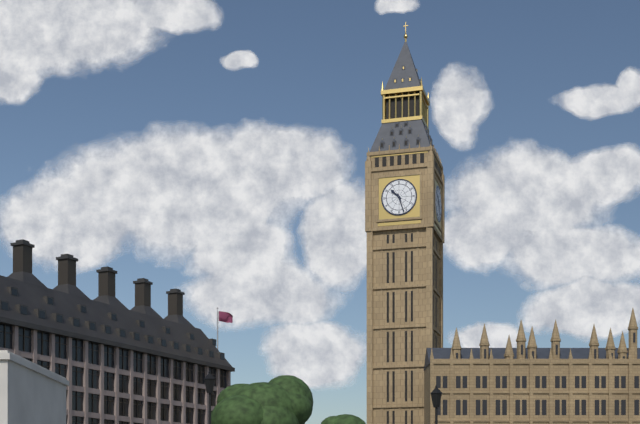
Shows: **10:27**
